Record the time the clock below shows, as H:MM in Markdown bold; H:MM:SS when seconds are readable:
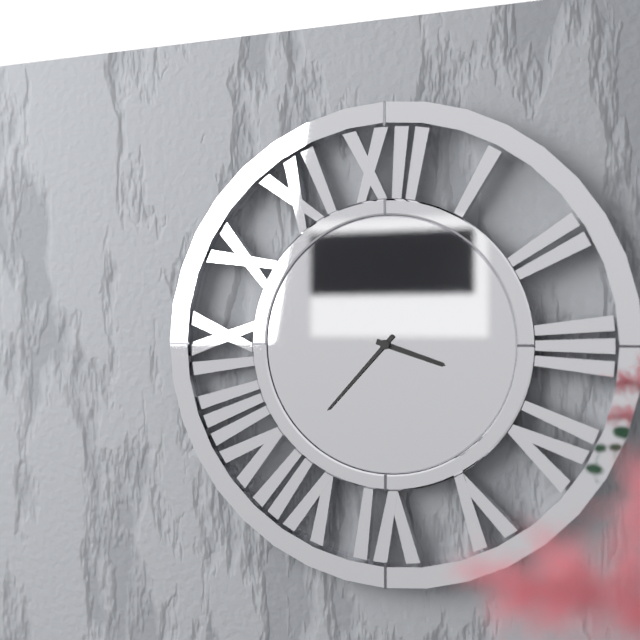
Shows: **3:37**
